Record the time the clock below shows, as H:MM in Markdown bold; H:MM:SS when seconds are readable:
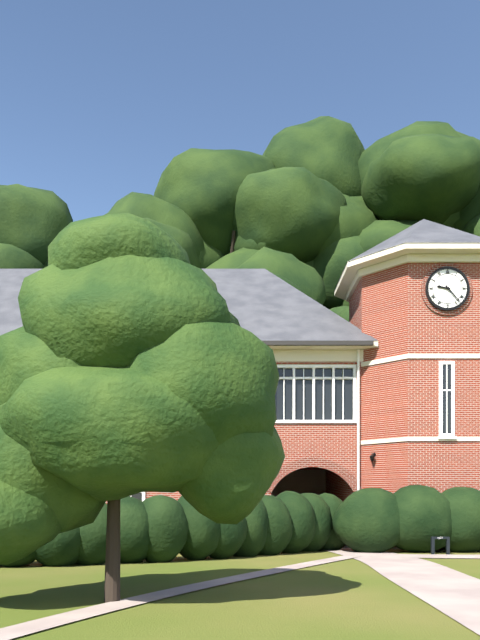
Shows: **9:23**
